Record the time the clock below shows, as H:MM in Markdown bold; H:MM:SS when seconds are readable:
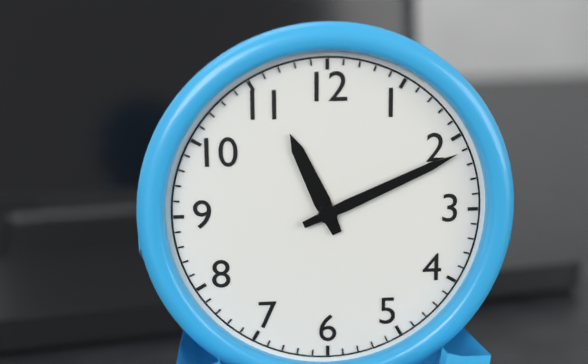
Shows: **11:11**
